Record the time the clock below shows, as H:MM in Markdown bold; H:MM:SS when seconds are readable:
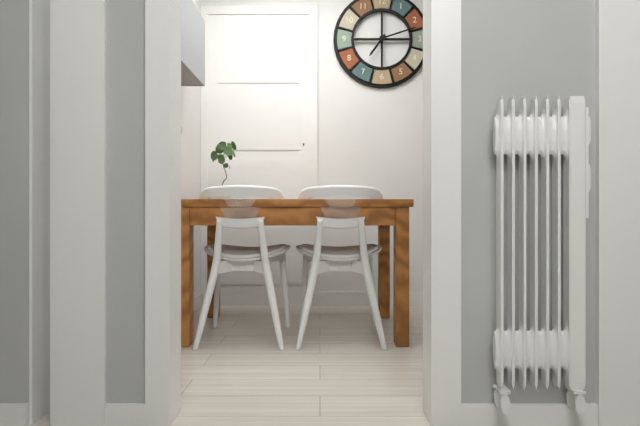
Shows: **7:12**
